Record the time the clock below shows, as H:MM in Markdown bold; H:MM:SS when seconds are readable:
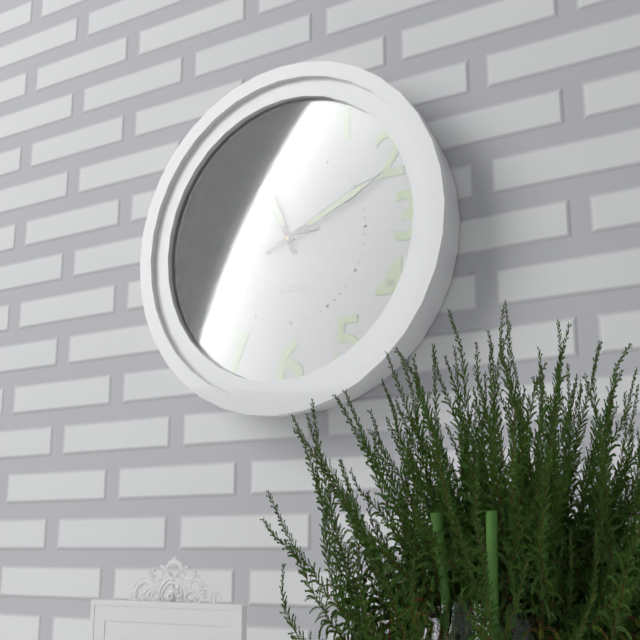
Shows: **11:11:44**
